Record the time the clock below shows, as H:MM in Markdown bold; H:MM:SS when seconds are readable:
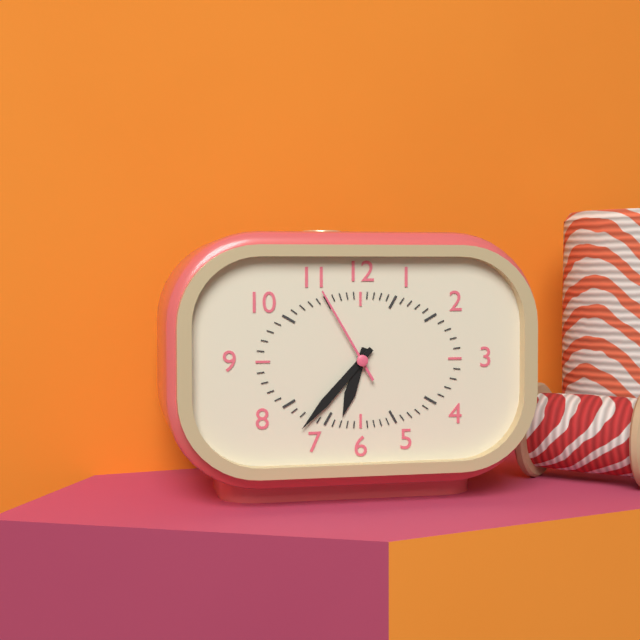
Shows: **6:37:55**
